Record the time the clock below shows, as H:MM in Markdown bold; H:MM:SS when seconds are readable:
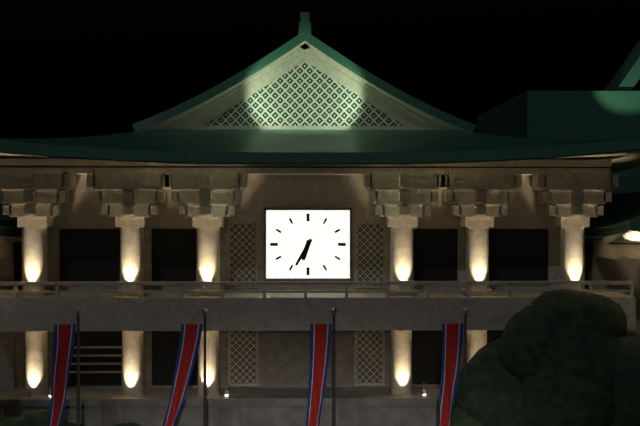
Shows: **6:35**
